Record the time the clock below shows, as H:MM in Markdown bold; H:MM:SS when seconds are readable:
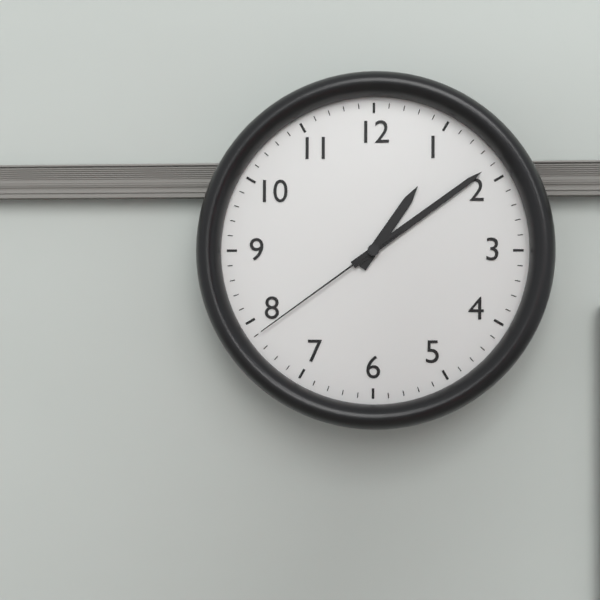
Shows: **1:09:39**
